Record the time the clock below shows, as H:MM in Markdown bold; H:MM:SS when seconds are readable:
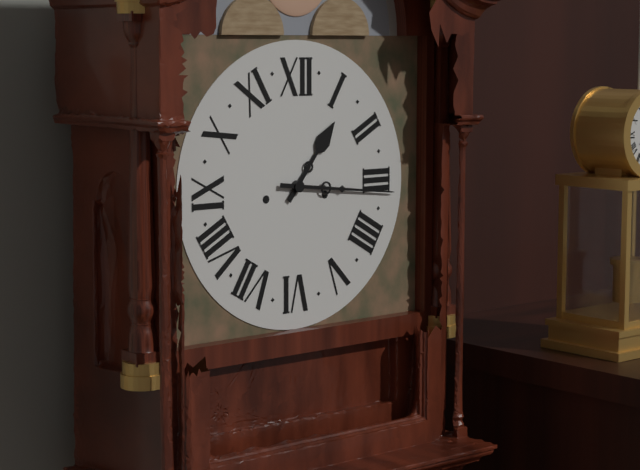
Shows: **1:16**
